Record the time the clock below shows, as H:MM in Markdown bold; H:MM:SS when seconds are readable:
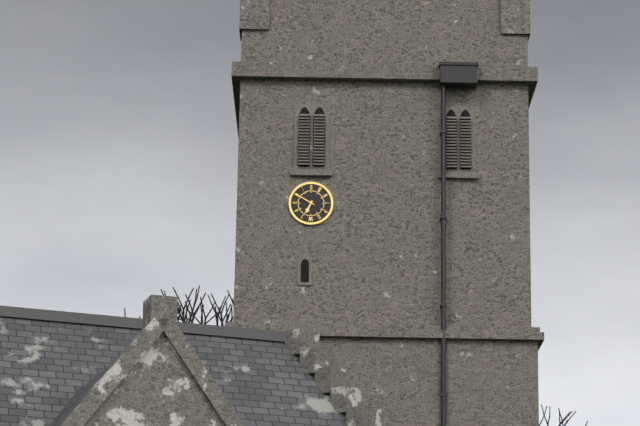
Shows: **6:50**
